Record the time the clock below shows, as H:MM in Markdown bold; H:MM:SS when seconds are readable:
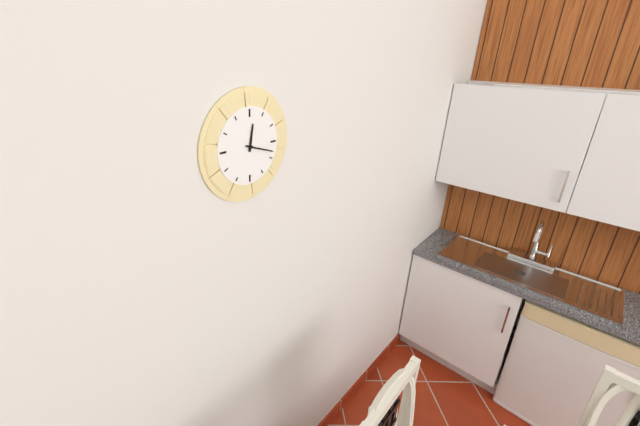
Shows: **12:18**
